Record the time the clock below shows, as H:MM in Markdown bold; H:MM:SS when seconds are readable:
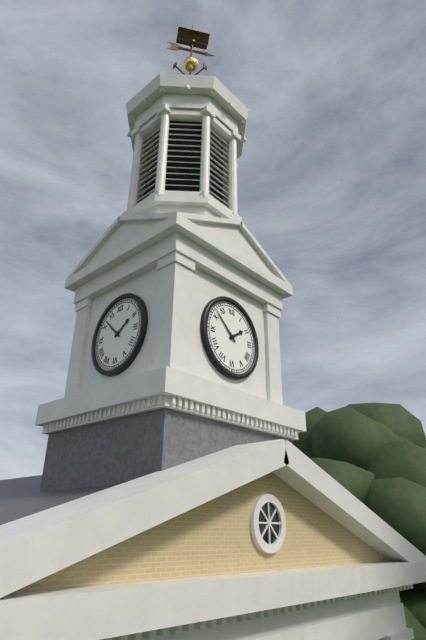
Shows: **1:52**
